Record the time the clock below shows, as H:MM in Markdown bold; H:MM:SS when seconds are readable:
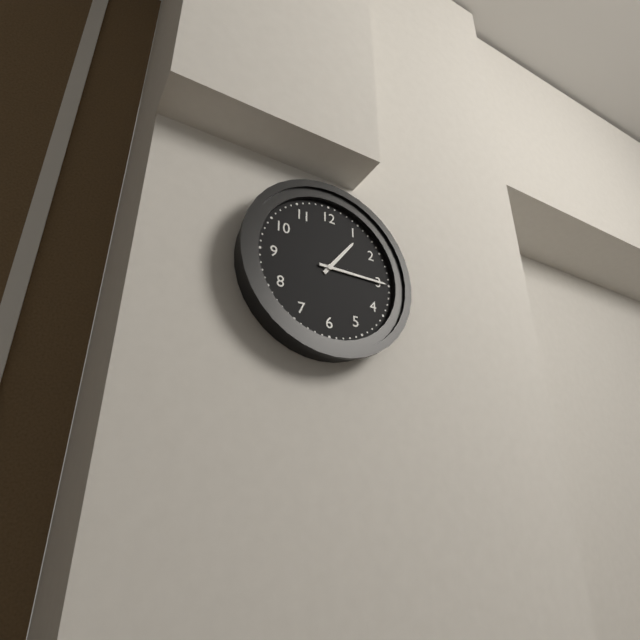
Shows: **1:15**
